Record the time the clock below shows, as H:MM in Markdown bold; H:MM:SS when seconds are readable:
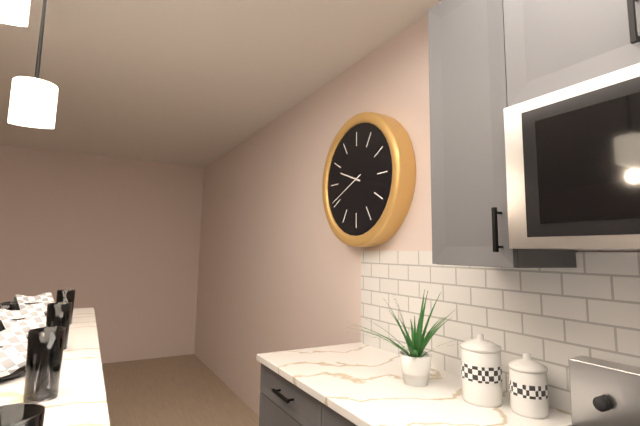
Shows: **9:41**
